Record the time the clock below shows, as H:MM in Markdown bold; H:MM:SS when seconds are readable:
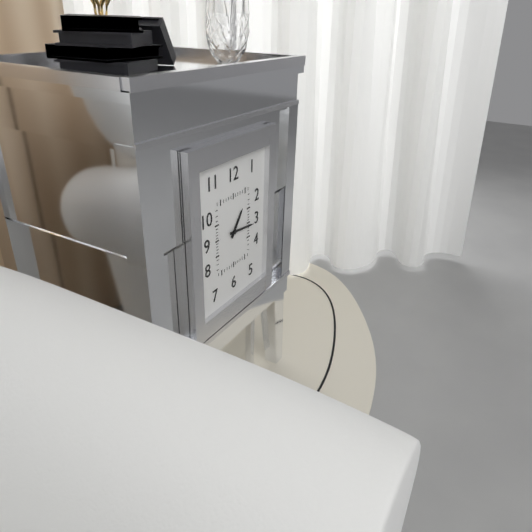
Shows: **1:16**
